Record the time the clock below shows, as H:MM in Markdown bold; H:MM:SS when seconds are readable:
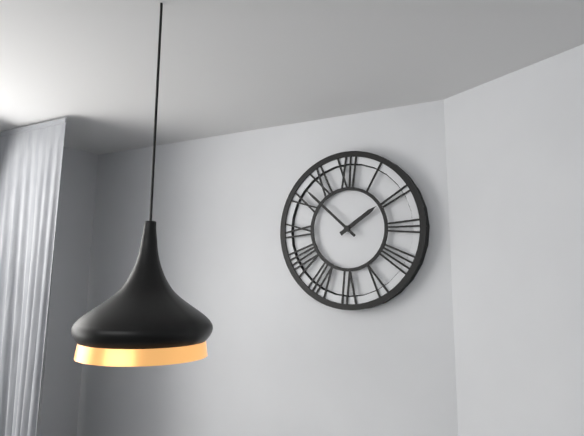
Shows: **1:52**
